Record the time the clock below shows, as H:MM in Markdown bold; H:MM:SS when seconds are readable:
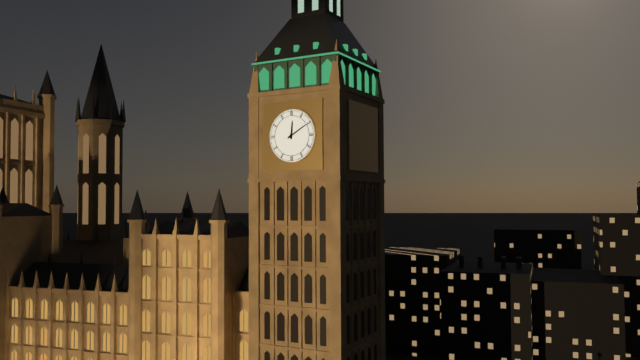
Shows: **12:10**
